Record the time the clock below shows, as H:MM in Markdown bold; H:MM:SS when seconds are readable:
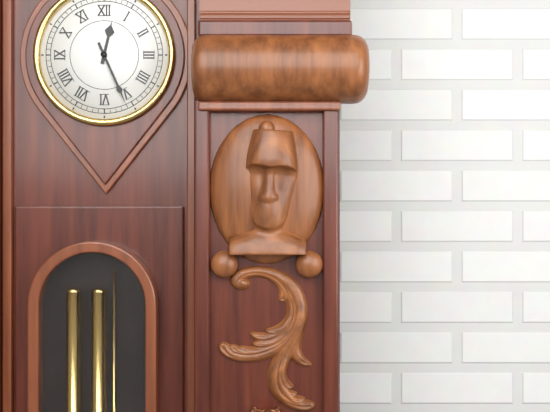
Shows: **12:26**
